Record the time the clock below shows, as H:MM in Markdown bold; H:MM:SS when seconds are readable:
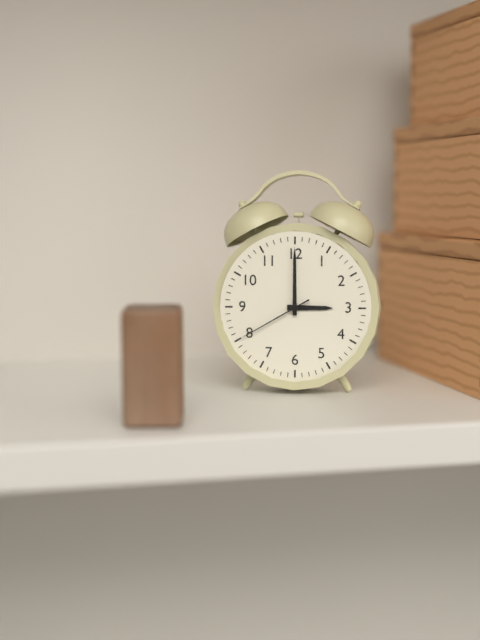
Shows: **3:00:40**
